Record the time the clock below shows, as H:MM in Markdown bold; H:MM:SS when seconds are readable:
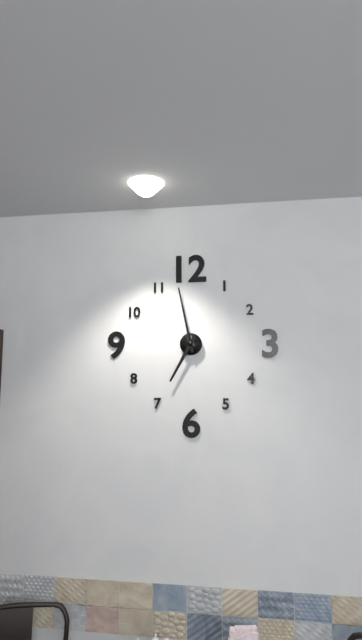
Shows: **6:58**
